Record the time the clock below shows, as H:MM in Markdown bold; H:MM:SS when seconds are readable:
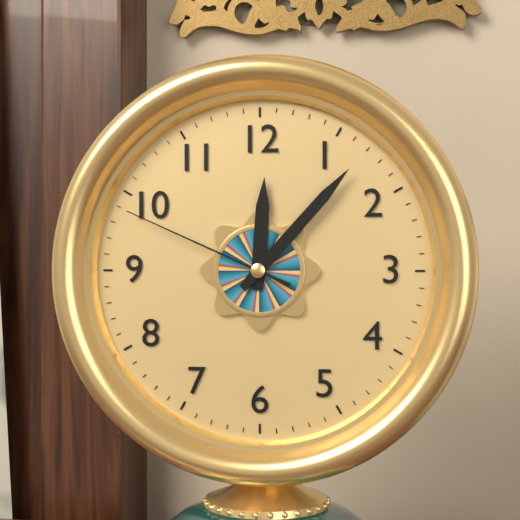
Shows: **12:07:49**
